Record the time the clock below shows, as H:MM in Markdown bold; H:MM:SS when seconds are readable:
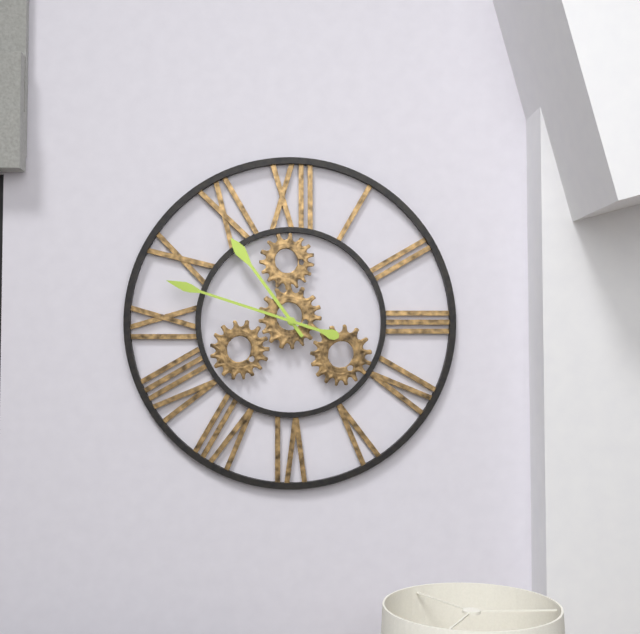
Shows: **10:48**
